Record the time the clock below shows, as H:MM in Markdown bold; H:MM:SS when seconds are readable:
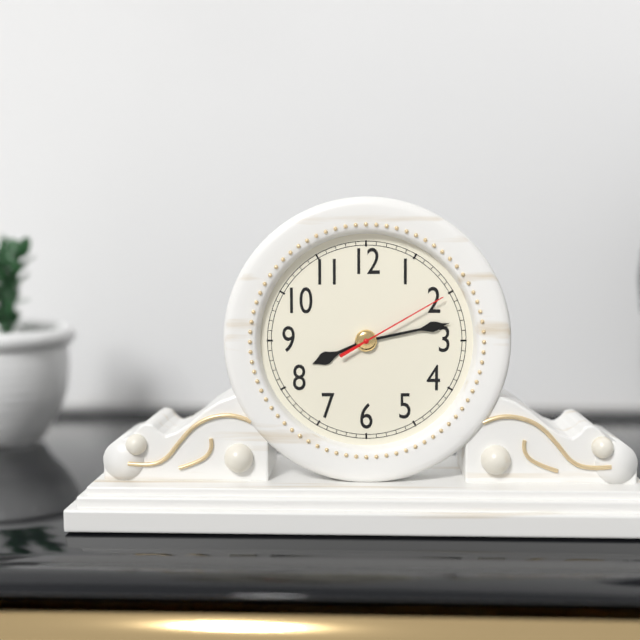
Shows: **8:13:10**
